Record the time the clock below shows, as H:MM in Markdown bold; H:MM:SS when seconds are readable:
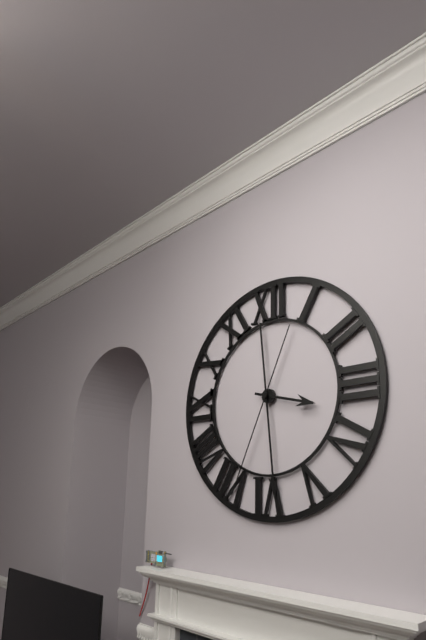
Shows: **3:29:34**
